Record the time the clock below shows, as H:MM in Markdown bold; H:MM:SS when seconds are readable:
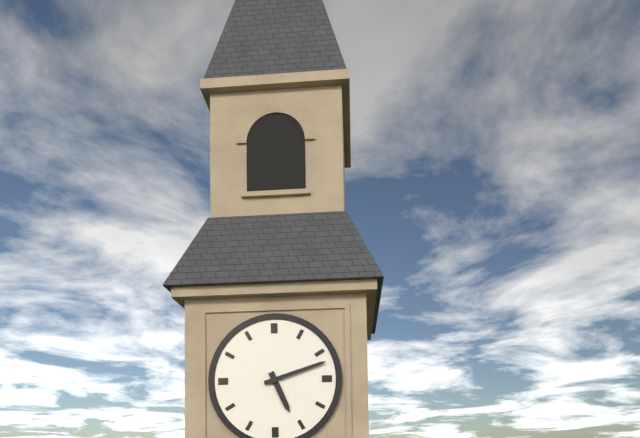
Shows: **5:12**
